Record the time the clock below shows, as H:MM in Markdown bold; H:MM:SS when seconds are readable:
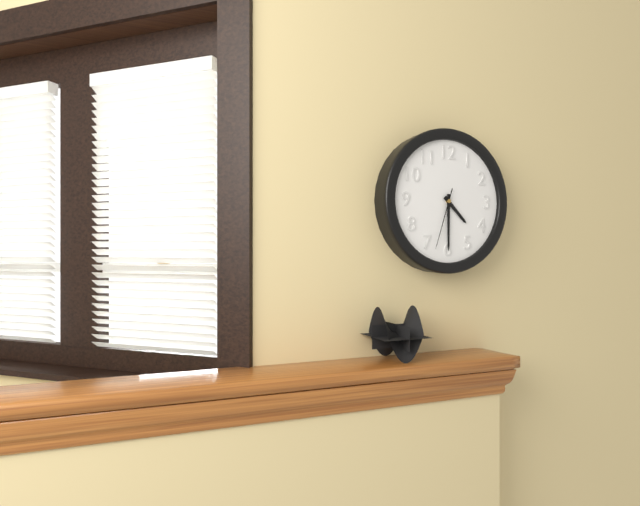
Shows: **4:30:33**
